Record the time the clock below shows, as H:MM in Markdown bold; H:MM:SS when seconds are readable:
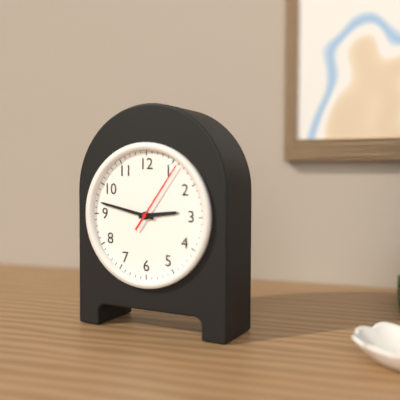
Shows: **2:47:06**
